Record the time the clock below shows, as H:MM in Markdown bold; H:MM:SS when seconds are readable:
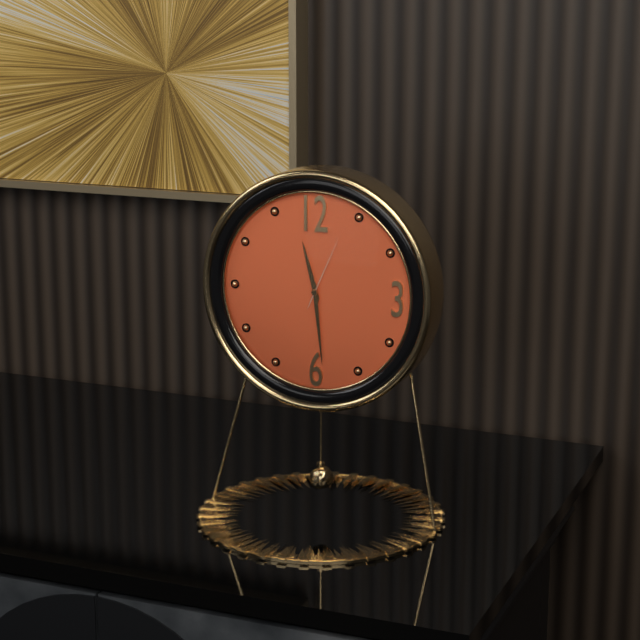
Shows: **11:29:04**
